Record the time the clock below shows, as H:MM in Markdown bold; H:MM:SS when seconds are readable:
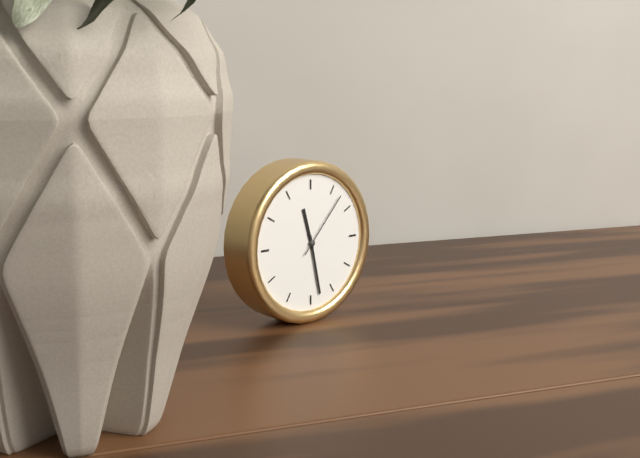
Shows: **11:28:07**
